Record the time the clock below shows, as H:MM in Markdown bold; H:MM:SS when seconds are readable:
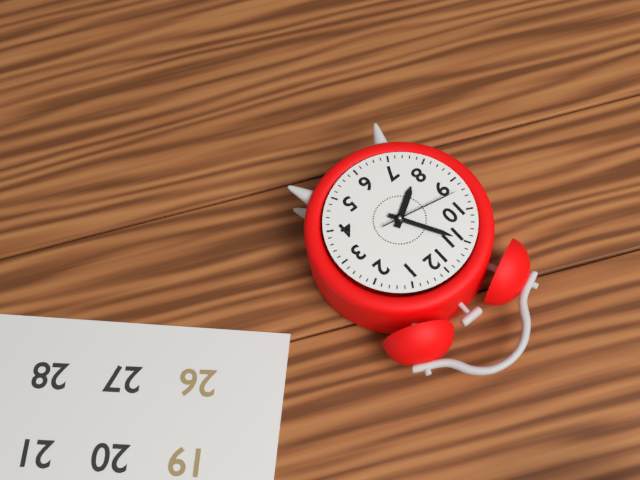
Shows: **7:55:47**
